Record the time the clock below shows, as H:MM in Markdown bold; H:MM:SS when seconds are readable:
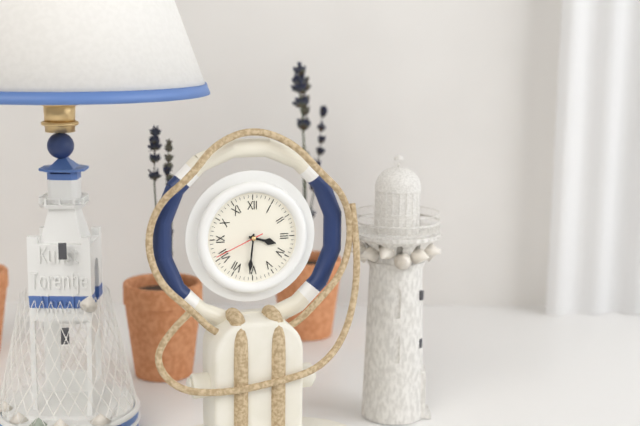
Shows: **3:31:41**
